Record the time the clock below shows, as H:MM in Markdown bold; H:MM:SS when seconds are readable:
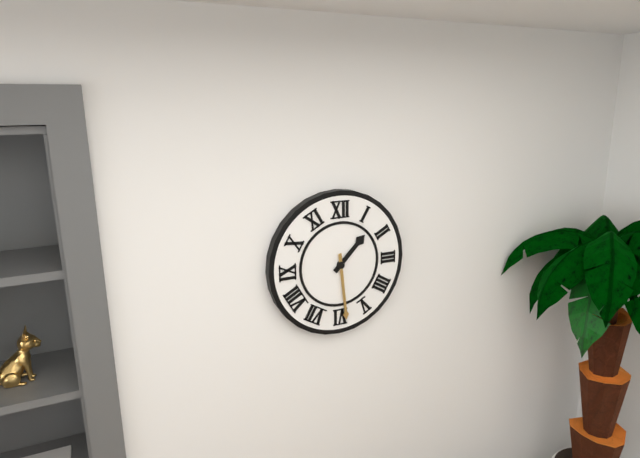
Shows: **1:29**
